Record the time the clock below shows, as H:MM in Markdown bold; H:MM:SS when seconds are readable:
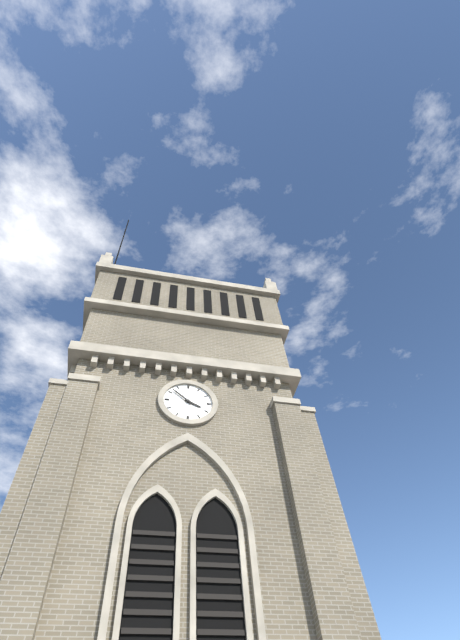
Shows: **3:52**
